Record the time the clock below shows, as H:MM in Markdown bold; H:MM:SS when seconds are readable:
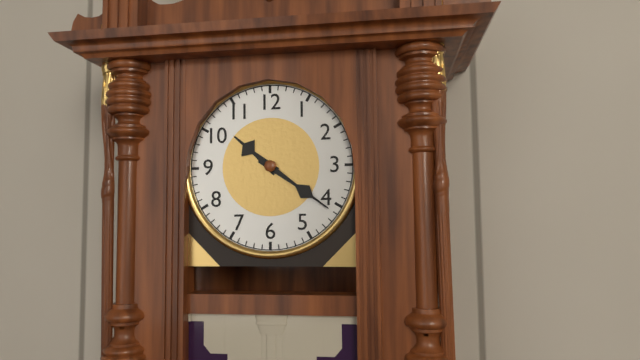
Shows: **10:21**
